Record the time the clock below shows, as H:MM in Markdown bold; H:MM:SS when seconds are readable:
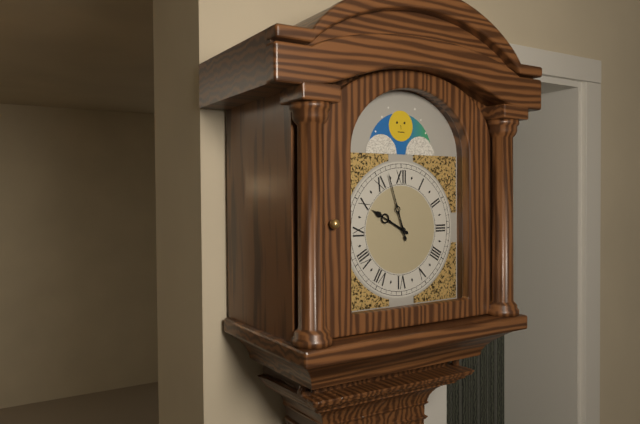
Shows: **9:57**
